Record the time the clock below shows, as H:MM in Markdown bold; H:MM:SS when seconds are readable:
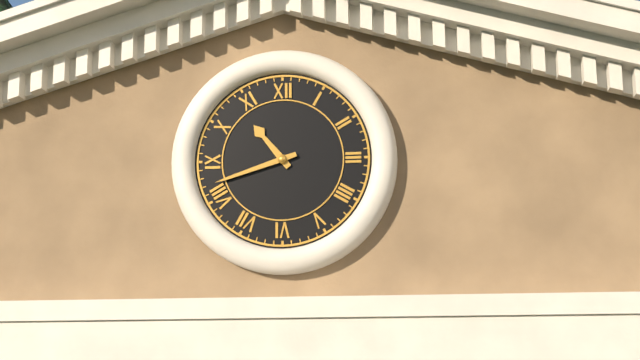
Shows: **10:42**
